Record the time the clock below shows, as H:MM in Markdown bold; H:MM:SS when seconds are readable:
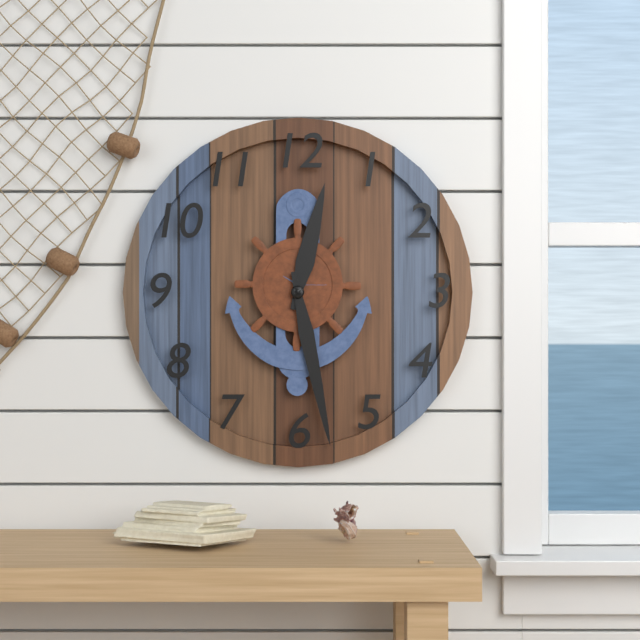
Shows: **12:28**
